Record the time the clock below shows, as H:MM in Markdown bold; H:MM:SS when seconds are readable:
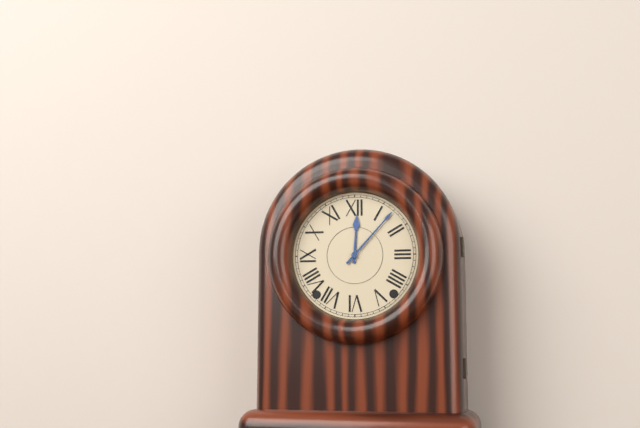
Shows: **12:07**
